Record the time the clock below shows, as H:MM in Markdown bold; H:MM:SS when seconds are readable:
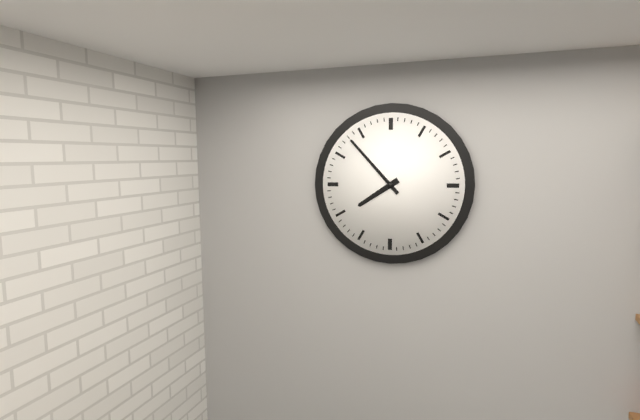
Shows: **7:53**
